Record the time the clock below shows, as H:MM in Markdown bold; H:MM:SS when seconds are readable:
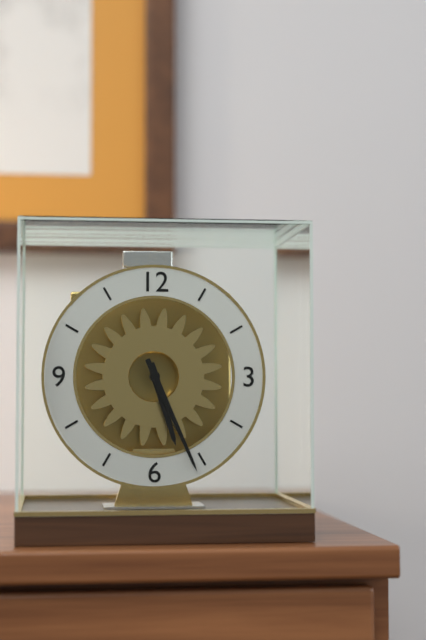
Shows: **5:26**
